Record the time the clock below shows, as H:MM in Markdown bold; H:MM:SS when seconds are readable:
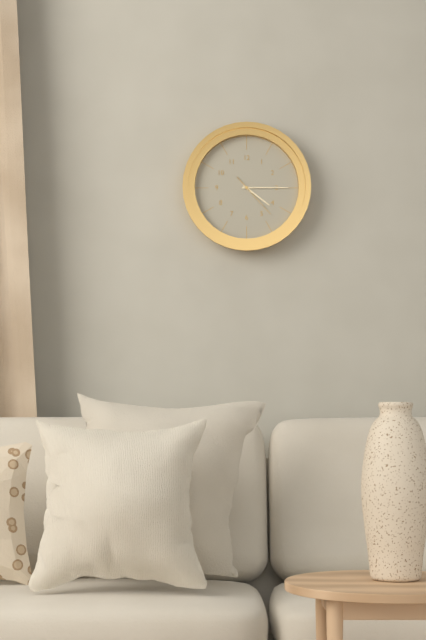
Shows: **4:15**
